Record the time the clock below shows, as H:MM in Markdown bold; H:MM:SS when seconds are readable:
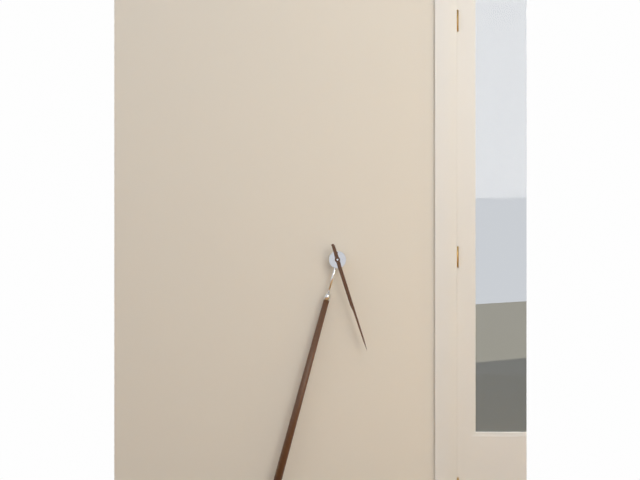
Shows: **5:27**
